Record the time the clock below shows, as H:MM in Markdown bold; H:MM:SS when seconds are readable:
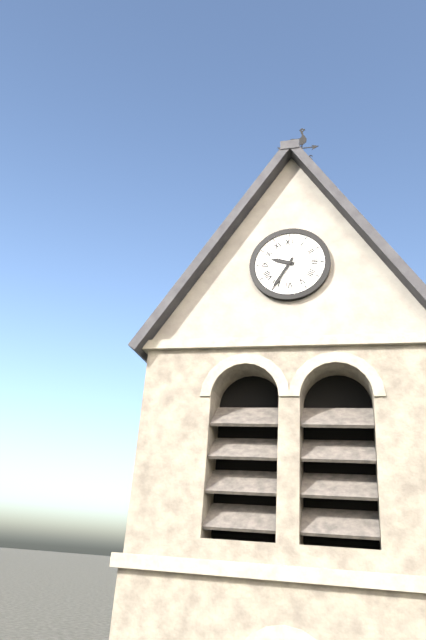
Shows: **9:35**
